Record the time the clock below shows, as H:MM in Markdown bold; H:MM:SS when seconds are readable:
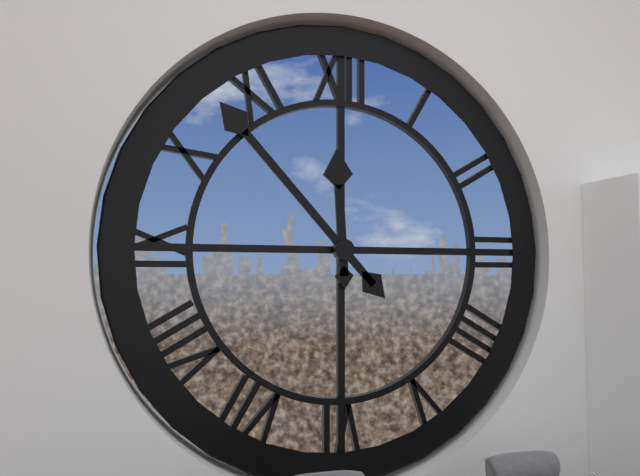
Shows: **11:53**
